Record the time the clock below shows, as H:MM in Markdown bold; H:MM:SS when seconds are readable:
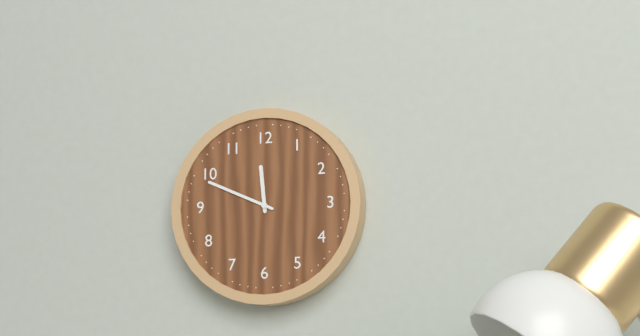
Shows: **11:49**
